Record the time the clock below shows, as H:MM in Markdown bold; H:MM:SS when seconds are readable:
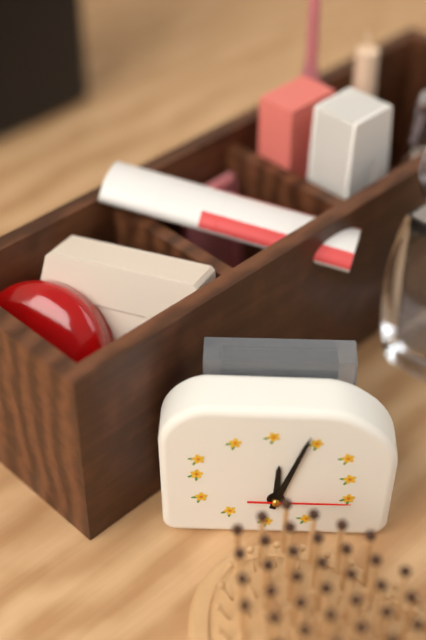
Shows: **12:03:15**
